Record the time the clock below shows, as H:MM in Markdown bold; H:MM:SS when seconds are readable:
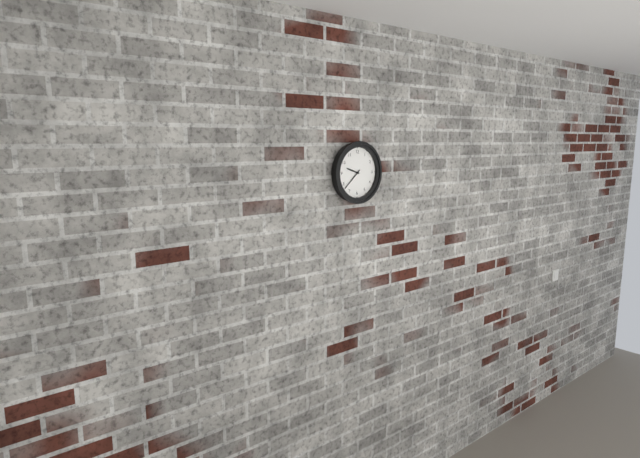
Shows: **9:38**
